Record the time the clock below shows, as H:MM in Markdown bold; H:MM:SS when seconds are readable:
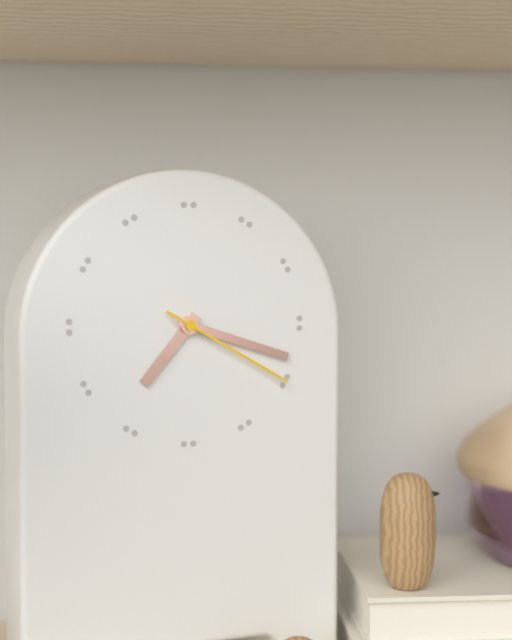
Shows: **7:18:20**
